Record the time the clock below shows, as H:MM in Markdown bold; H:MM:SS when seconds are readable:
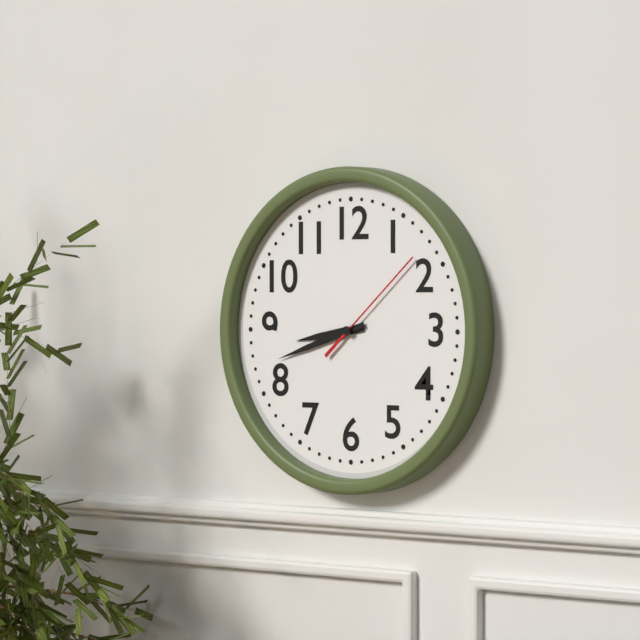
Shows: **8:42:08**
